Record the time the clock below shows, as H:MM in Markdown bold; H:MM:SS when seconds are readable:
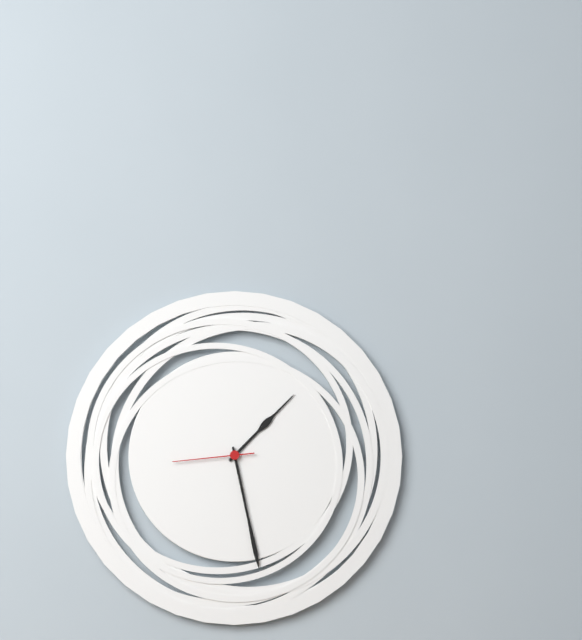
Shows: **1:28:44**
